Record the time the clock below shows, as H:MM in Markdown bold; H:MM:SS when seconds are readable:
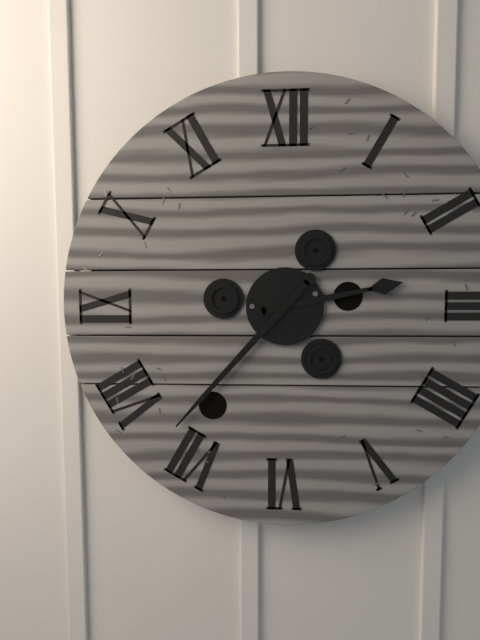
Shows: **2:37**
